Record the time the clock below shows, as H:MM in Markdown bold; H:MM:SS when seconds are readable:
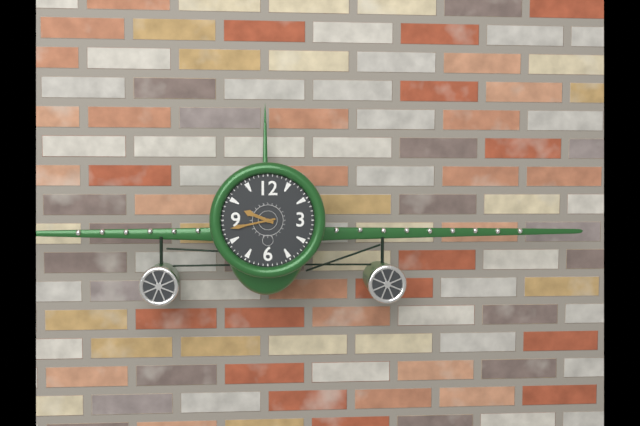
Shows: **9:43**
